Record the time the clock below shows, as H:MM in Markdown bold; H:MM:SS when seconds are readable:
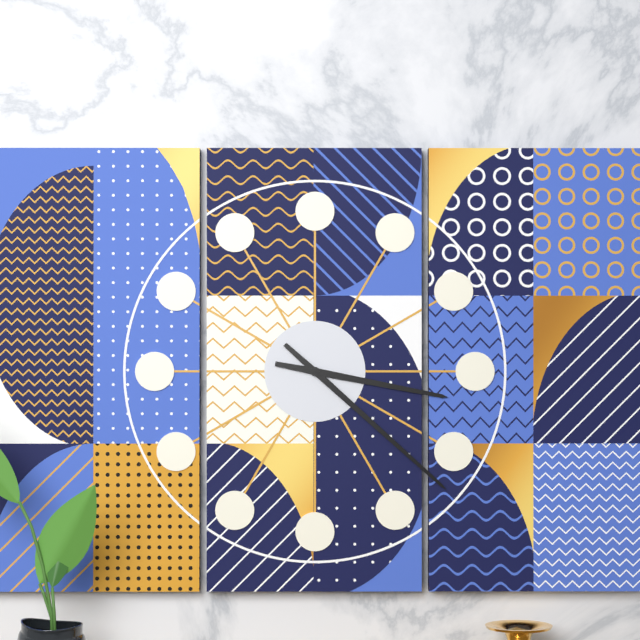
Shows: **3:22**
